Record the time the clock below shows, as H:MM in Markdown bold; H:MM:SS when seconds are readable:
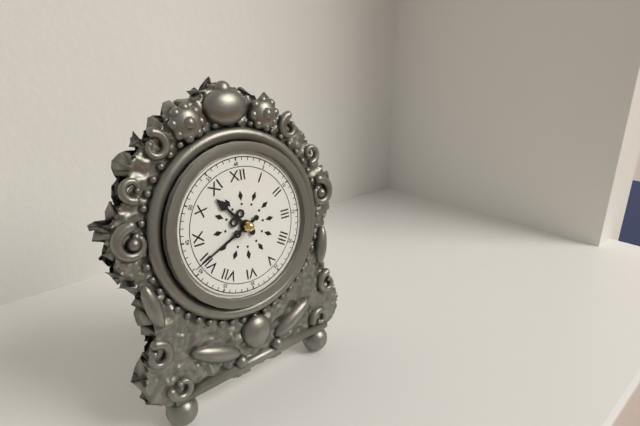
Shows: **10:41**
